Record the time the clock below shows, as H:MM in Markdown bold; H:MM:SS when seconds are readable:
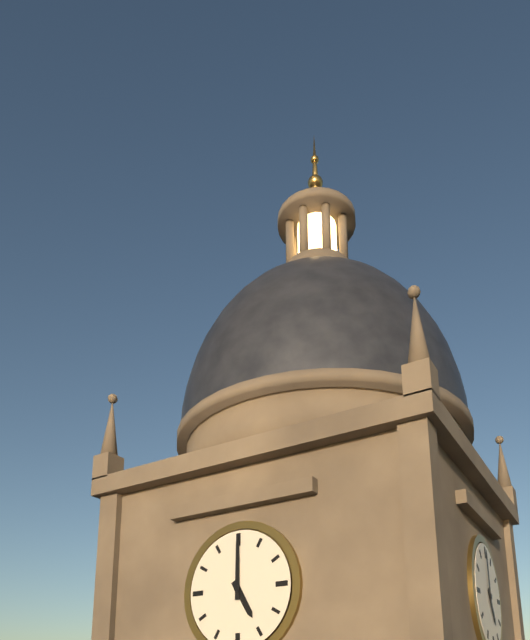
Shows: **5:00**
